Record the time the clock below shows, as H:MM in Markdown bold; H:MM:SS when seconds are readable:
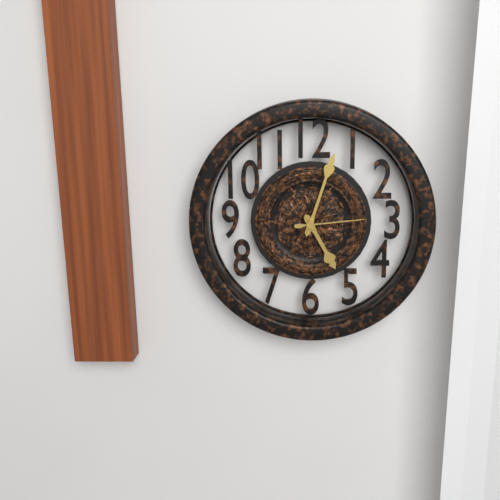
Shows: **5:03:14**
